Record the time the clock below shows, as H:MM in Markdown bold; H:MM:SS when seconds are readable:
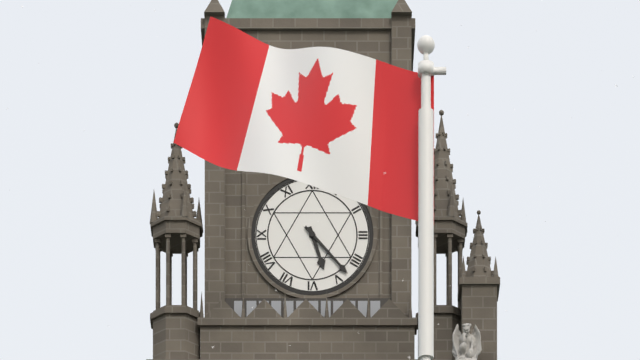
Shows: **5:23**
